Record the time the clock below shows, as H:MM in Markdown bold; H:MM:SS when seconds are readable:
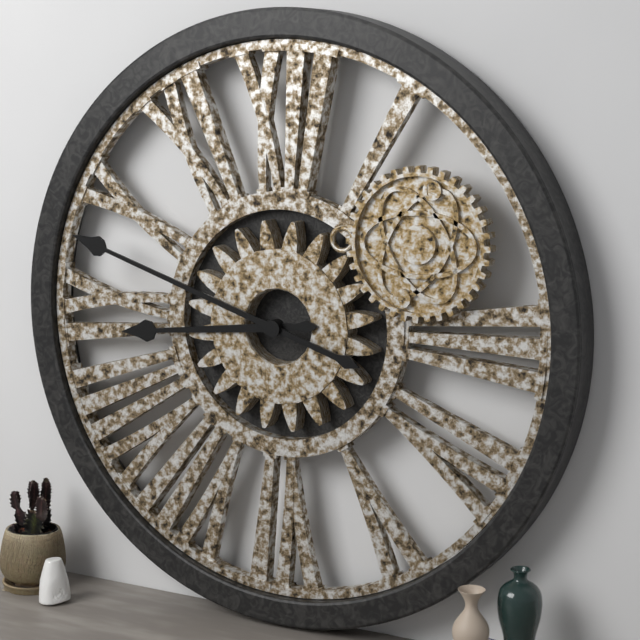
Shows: **8:48**
